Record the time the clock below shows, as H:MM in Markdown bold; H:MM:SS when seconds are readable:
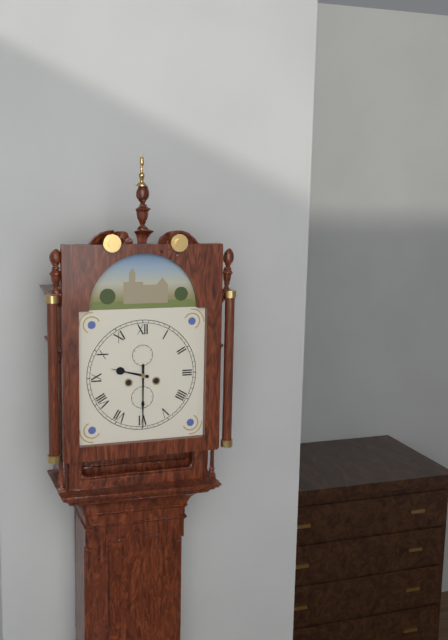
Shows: **9:30**
